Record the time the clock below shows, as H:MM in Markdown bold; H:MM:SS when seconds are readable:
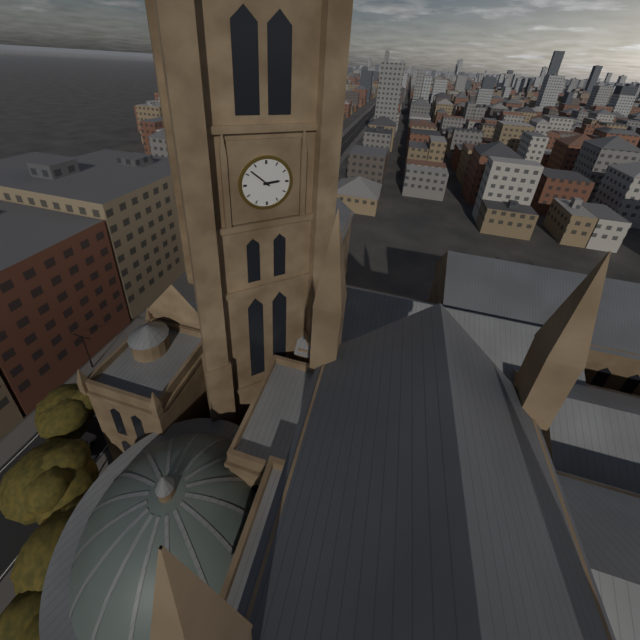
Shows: **2:52**
